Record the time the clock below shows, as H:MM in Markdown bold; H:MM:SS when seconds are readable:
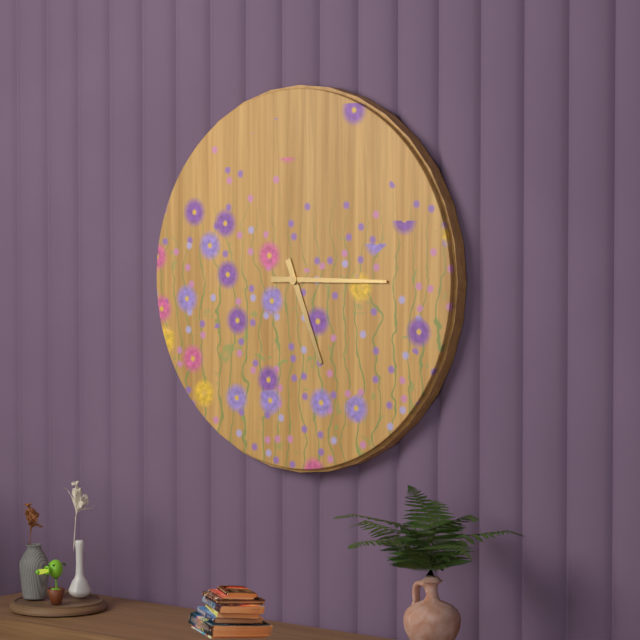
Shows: **5:15**
